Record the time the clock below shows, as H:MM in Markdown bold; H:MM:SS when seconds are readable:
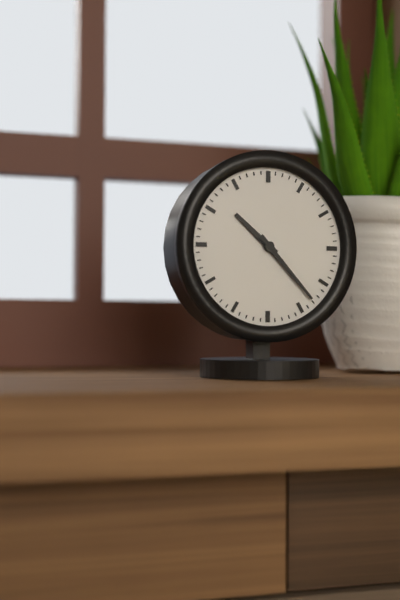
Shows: **10:23**
